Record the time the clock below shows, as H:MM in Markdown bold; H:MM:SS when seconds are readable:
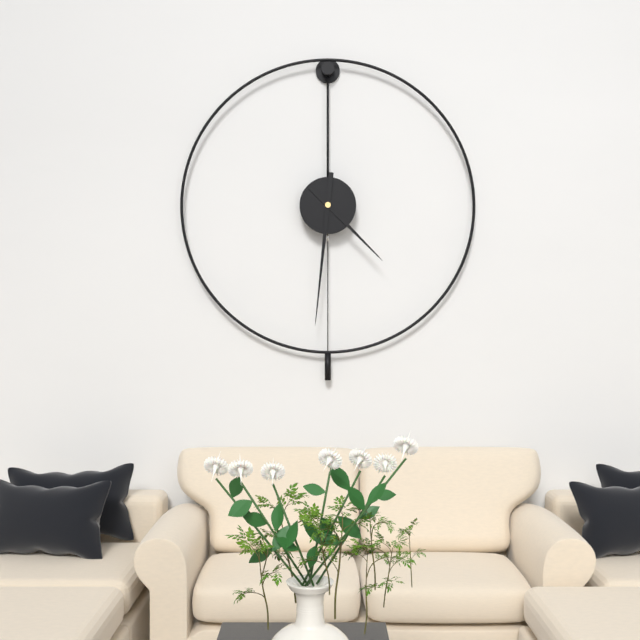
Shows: **4:31**
